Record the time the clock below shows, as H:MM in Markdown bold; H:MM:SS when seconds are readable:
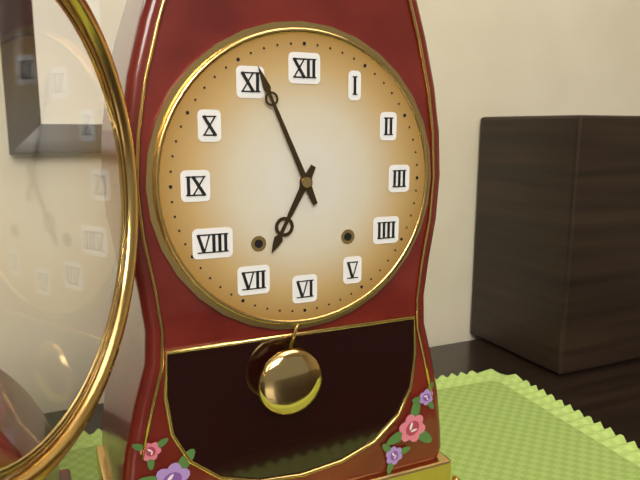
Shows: **6:56**
